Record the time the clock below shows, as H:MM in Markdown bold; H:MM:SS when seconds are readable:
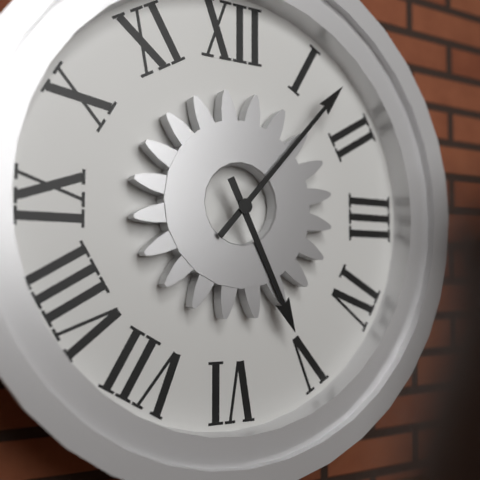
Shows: **5:07**
